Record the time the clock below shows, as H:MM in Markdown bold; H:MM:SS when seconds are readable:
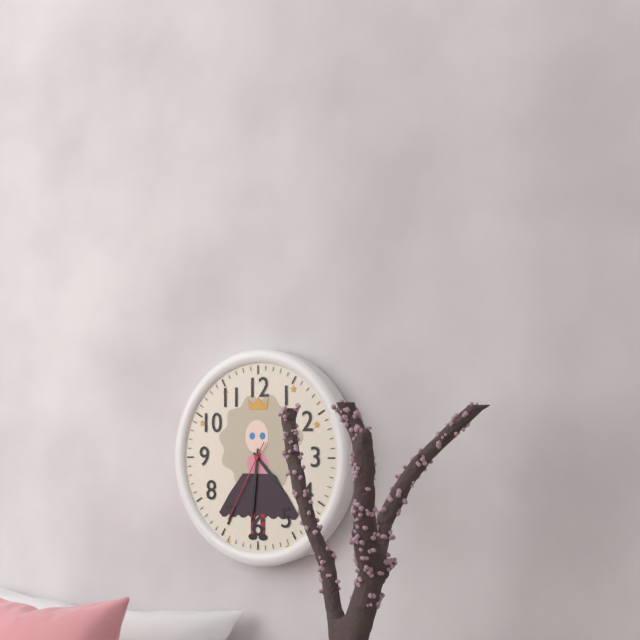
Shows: **4:31:35**
